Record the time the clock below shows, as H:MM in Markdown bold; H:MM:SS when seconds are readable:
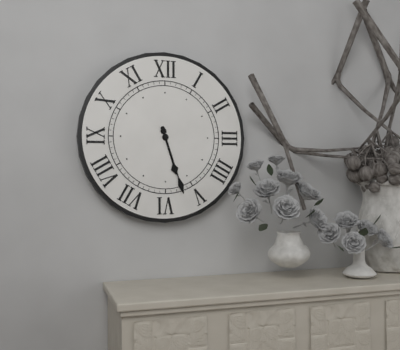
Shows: **5:27**
